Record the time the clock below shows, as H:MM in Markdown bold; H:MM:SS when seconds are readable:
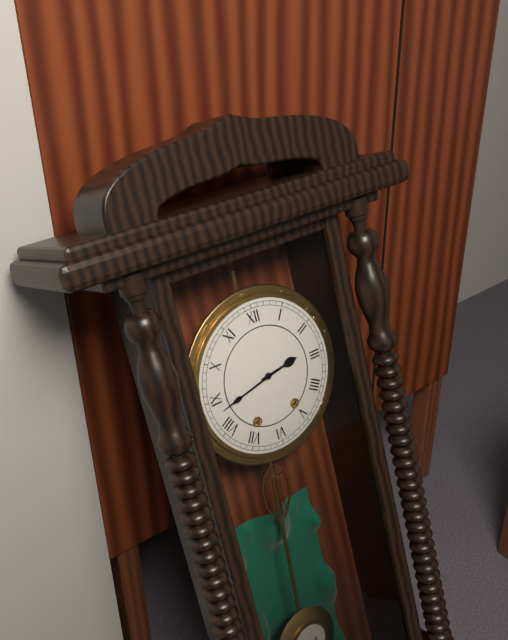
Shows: **2:43**
